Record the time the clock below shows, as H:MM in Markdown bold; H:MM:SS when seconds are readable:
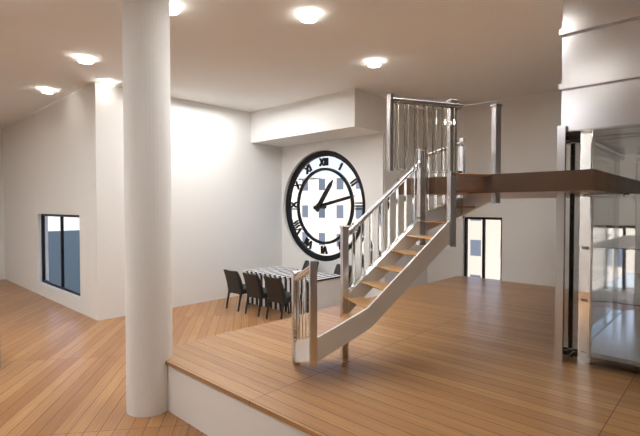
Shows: **1:13**
